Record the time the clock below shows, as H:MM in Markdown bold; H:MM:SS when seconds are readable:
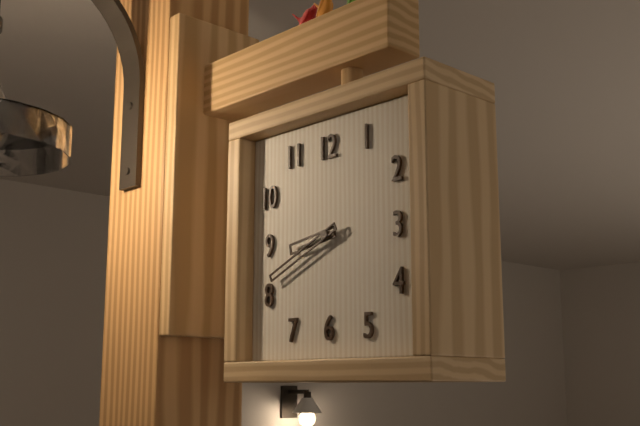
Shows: **8:41**
